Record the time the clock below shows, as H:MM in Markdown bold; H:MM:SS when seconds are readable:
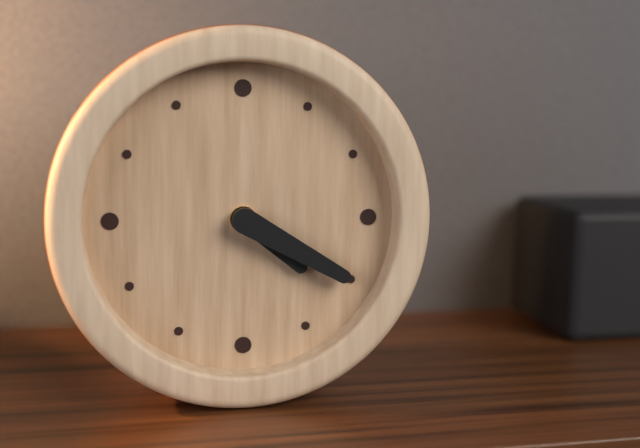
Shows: **4:20**
